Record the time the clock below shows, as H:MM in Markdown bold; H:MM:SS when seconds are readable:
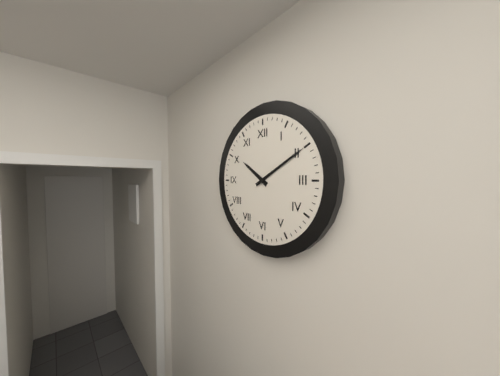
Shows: **10:10**
